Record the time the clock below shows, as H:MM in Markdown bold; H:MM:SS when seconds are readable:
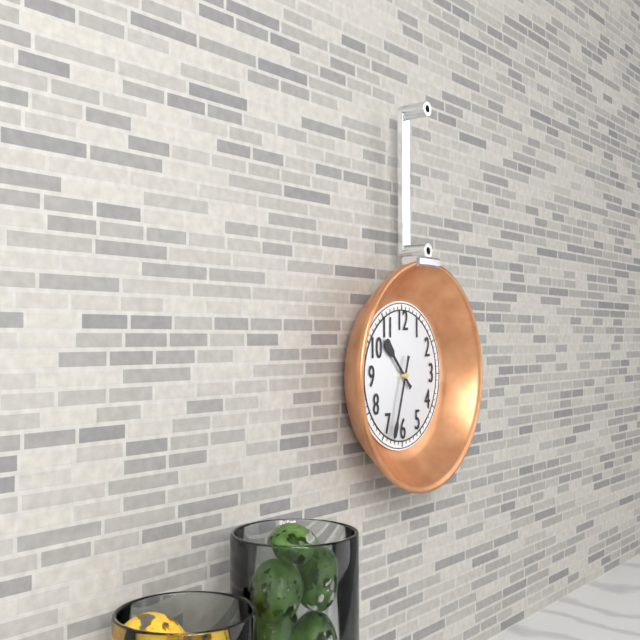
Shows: **10:33**
